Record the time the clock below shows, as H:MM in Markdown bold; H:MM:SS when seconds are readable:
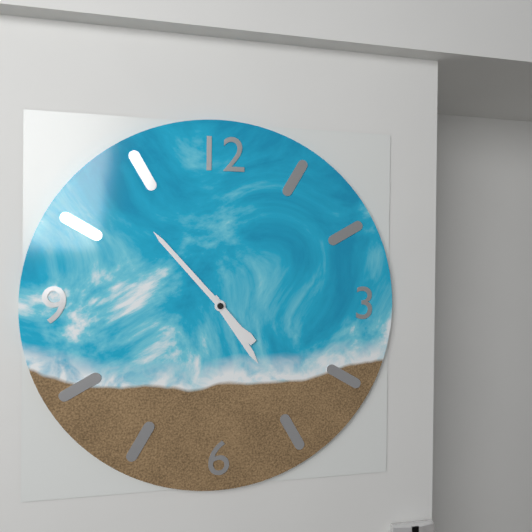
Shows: **4:53**
